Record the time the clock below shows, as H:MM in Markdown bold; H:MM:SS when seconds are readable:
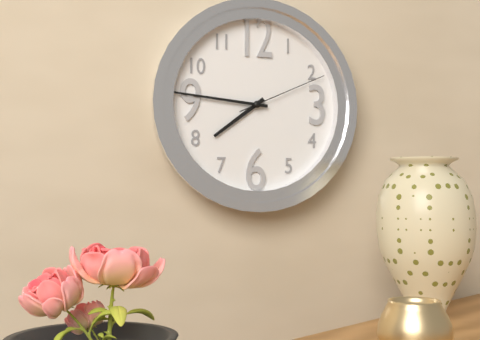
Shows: **7:46:11**
